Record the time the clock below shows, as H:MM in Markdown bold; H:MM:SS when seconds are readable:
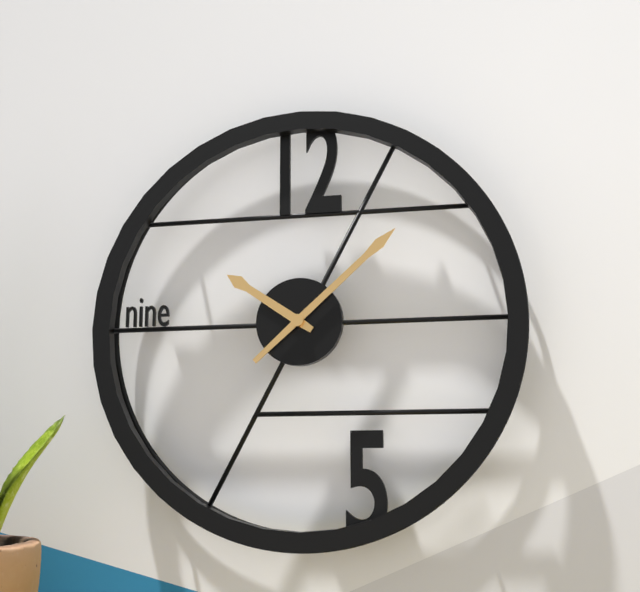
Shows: **10:08**
